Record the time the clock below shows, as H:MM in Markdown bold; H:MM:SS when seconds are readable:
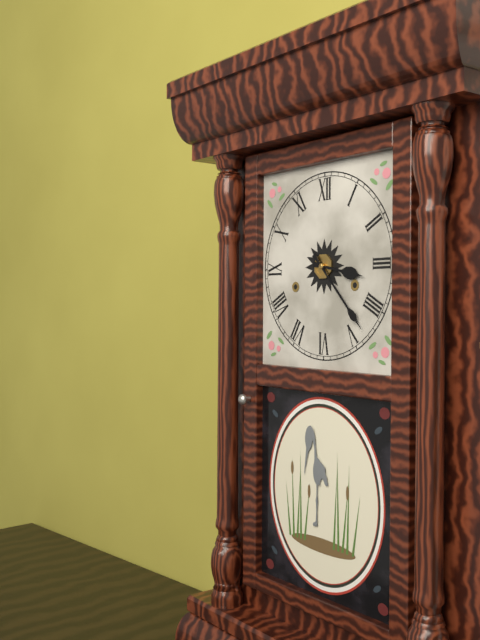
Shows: **3:23**
